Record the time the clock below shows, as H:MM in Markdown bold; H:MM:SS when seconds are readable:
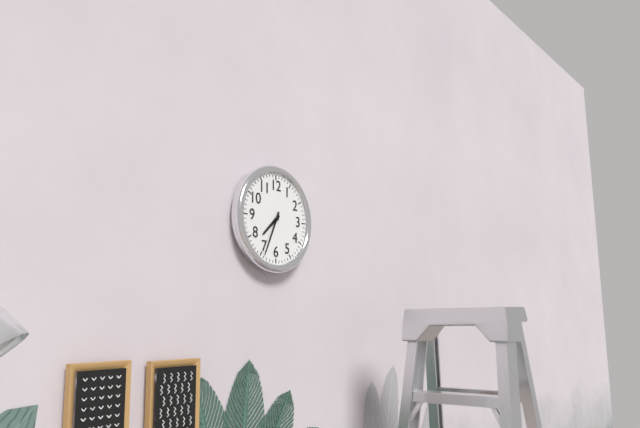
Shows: **7:34**
